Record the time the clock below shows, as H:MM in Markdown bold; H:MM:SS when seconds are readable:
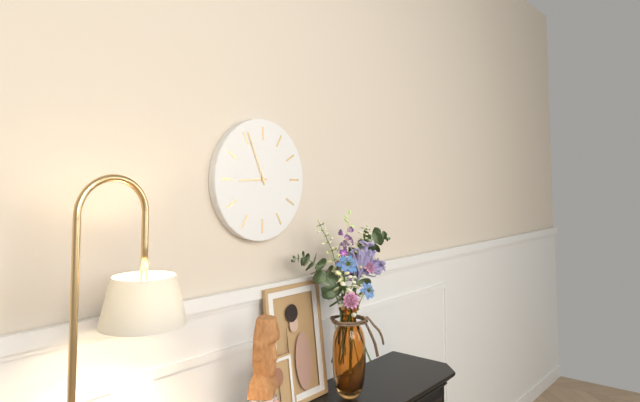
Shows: **8:56**
